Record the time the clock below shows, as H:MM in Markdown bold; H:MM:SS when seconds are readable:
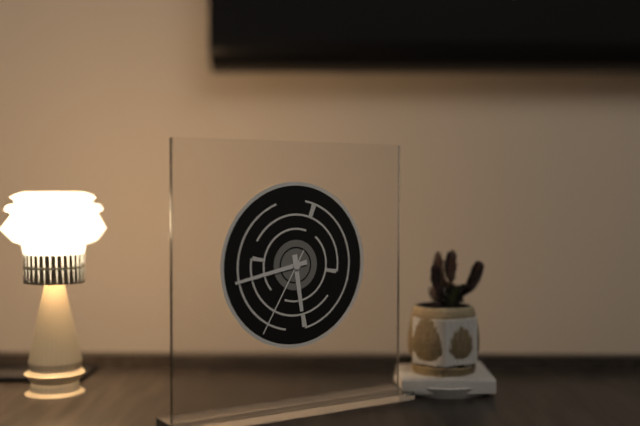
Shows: **5:43:35**
